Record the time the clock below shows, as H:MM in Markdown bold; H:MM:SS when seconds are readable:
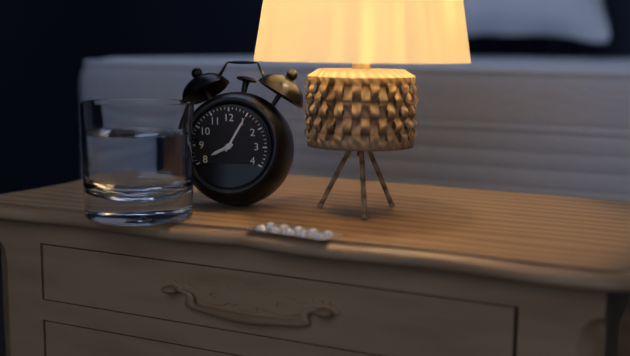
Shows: **8:05**
